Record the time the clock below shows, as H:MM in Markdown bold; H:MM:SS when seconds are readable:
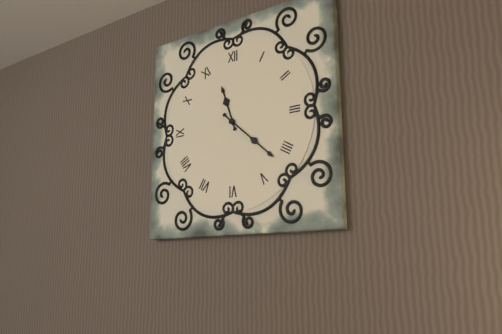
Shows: **11:22**
